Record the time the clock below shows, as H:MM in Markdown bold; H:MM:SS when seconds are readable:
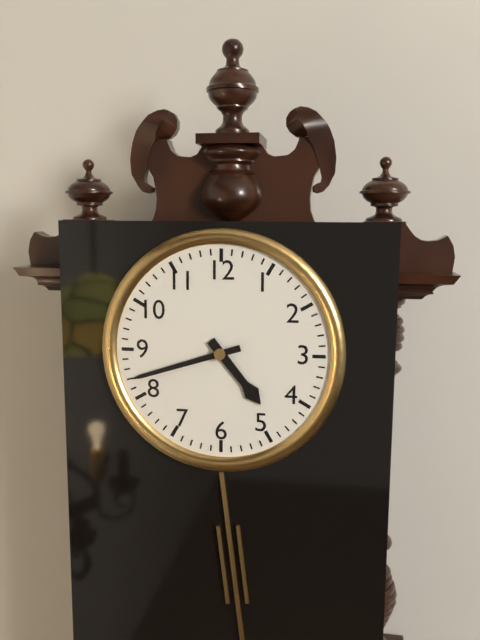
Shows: **4:42**
